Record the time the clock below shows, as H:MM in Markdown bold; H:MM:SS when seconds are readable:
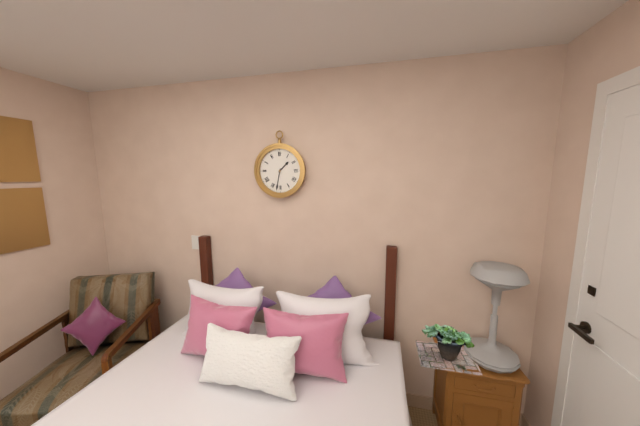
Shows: **1:32**
